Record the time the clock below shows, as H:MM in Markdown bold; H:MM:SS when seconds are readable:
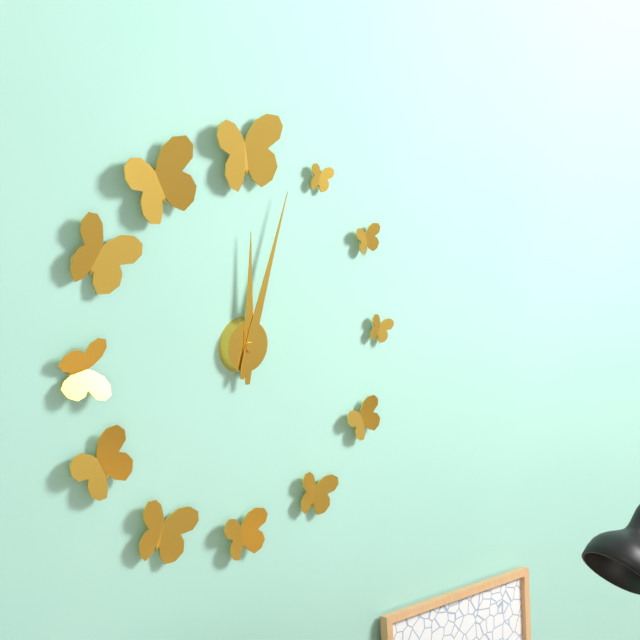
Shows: **12:03**
